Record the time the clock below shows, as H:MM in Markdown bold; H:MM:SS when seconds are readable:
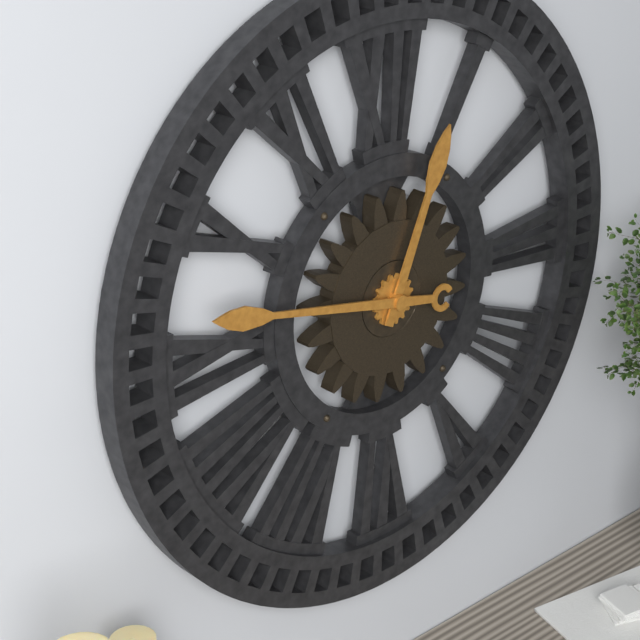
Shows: **12:47**
